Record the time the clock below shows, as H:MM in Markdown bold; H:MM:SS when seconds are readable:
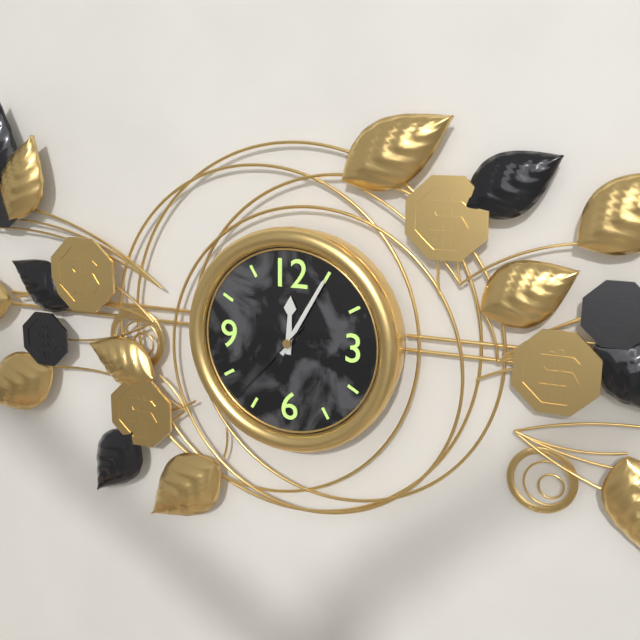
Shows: **12:05:37**
